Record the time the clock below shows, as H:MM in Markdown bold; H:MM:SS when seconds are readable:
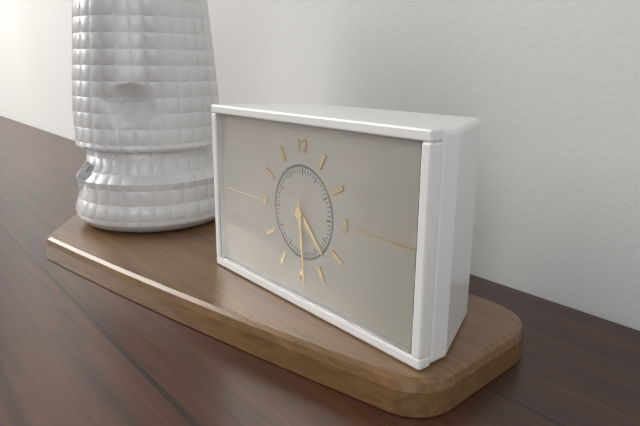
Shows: **4:29**
